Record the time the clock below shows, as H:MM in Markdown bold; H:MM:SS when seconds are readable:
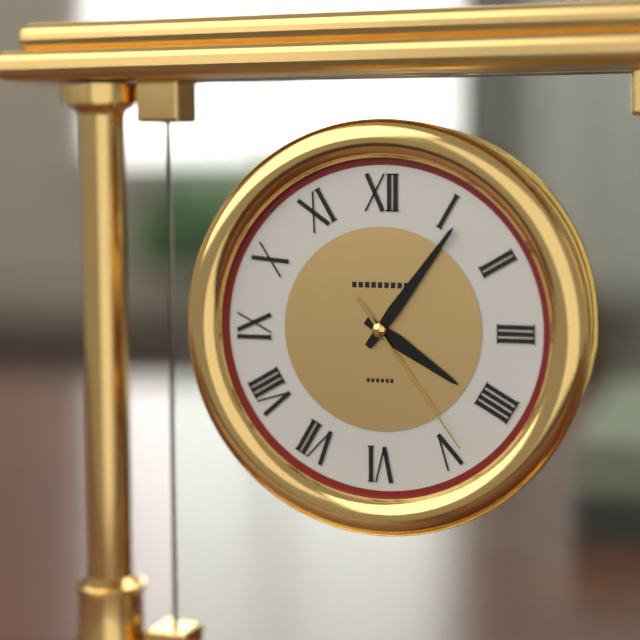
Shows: **4:06:24**
